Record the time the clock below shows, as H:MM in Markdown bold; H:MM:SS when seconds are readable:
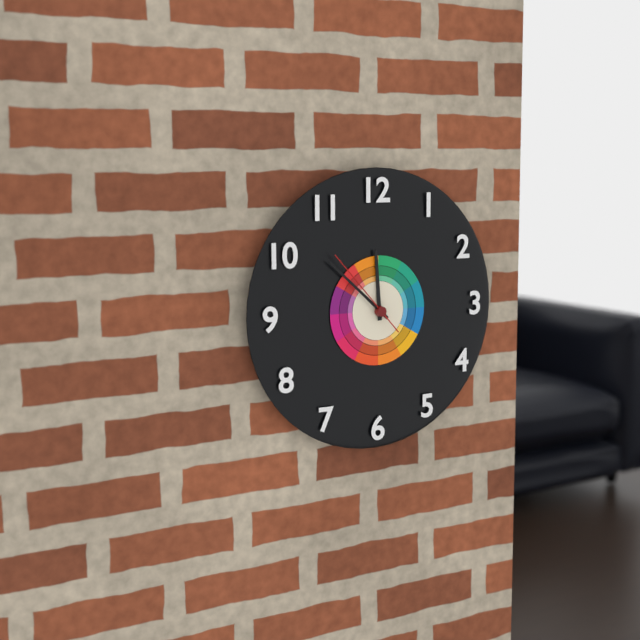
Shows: **11:52:53**
